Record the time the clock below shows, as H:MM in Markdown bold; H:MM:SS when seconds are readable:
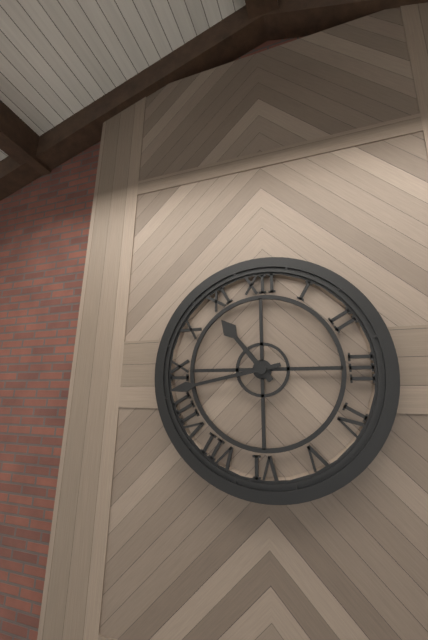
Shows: **10:43**
